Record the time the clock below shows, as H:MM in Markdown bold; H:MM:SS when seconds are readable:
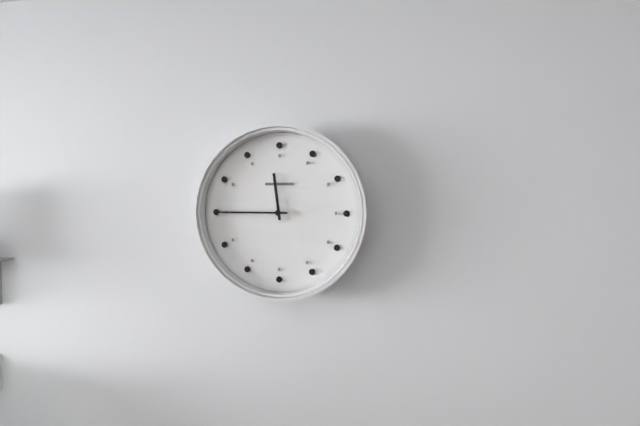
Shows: **11:45**
